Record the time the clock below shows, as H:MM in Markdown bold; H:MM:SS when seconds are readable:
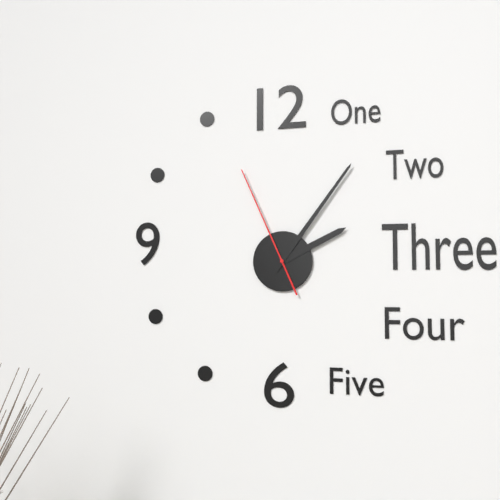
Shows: **2:06:56**
